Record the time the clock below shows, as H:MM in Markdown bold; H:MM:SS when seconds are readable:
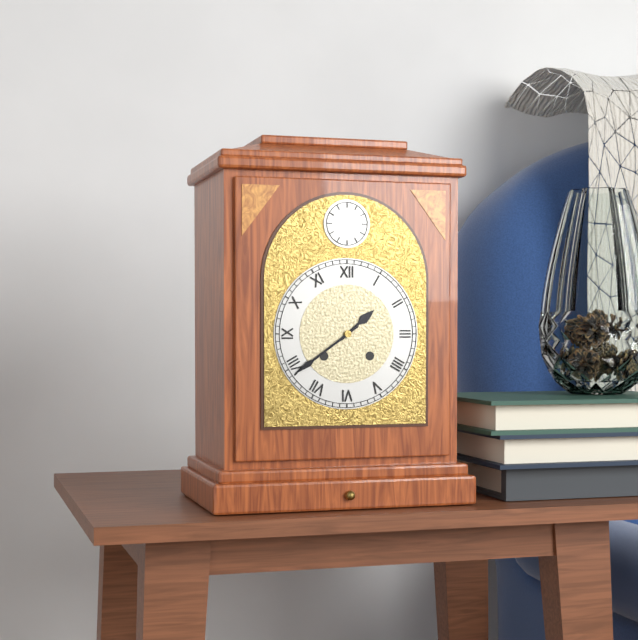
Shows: **1:39**
